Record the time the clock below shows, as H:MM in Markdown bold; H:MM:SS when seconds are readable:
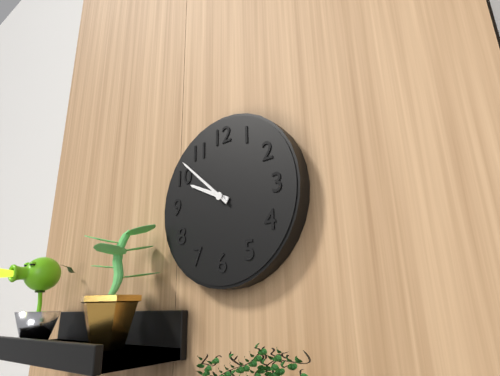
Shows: **9:52**
